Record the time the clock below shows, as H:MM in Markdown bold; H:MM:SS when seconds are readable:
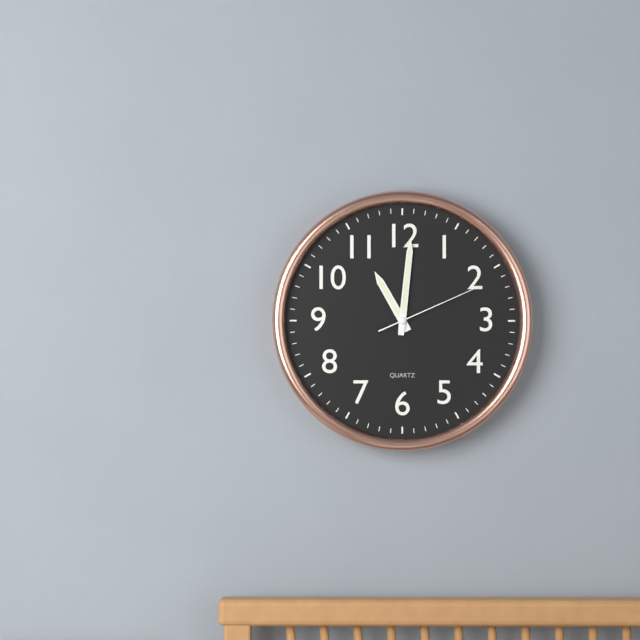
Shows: **11:01:11**
